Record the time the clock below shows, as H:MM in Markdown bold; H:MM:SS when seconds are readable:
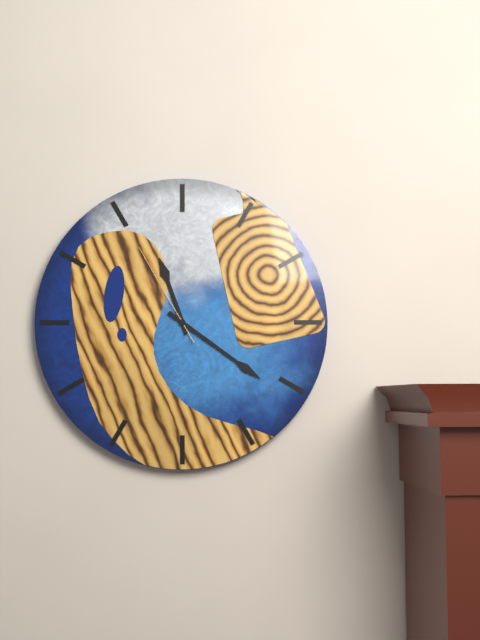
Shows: **11:21:55**
